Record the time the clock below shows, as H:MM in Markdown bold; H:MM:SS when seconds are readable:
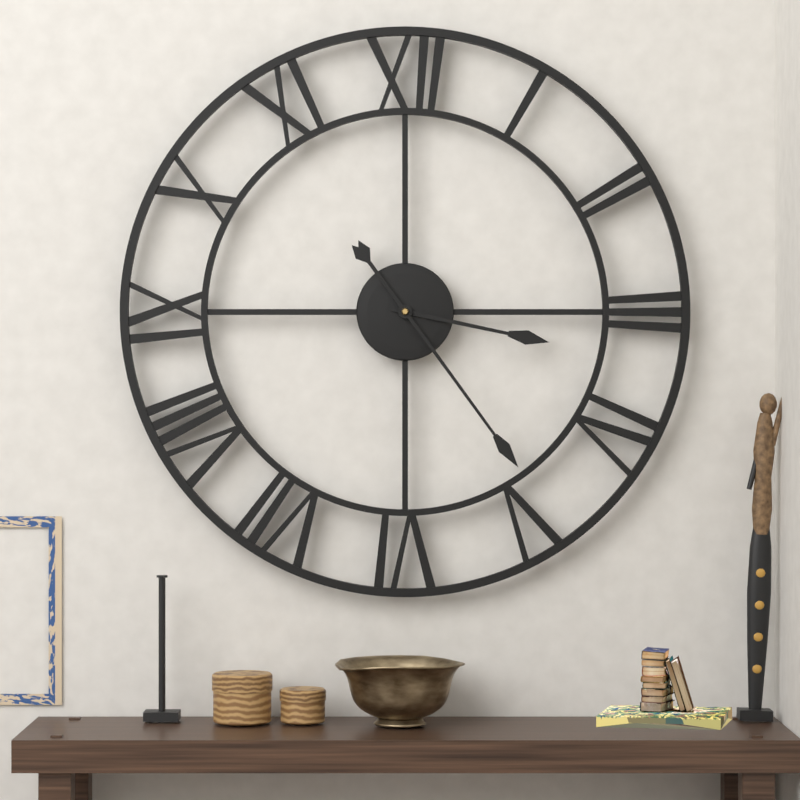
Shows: **3:24**
